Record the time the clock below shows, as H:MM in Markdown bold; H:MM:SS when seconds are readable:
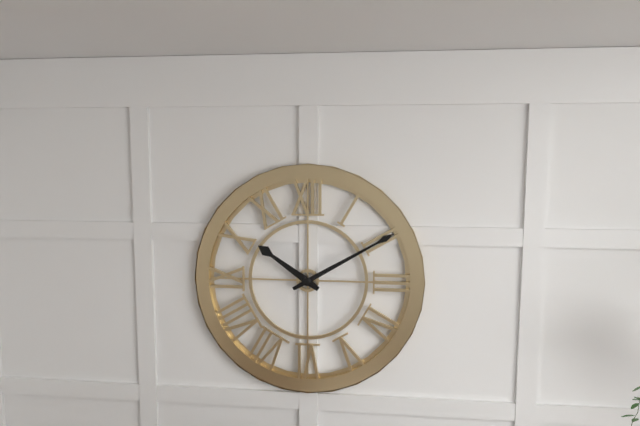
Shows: **10:10**
